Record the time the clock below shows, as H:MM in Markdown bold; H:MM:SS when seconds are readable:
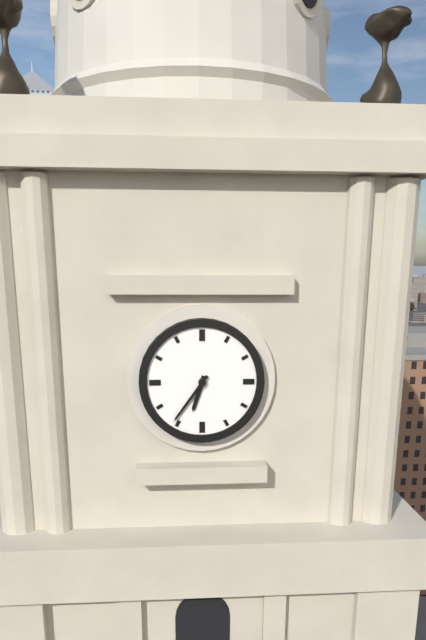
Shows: **6:36**
